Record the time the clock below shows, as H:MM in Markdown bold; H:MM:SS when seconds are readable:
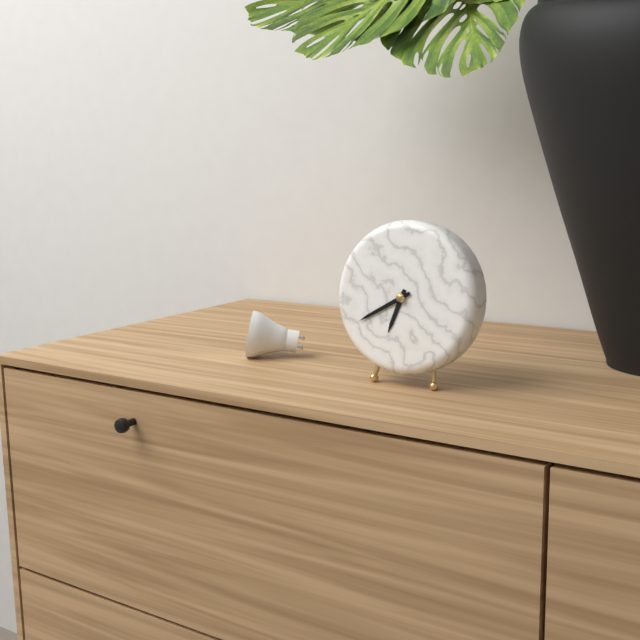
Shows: **6:40**
